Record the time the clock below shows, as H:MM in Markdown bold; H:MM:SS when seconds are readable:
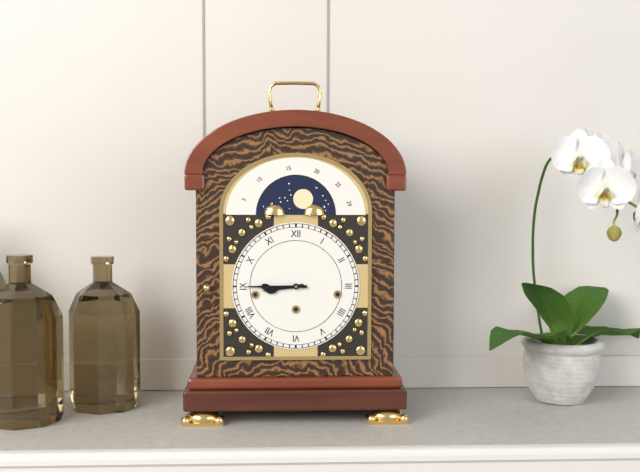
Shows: **8:45**
